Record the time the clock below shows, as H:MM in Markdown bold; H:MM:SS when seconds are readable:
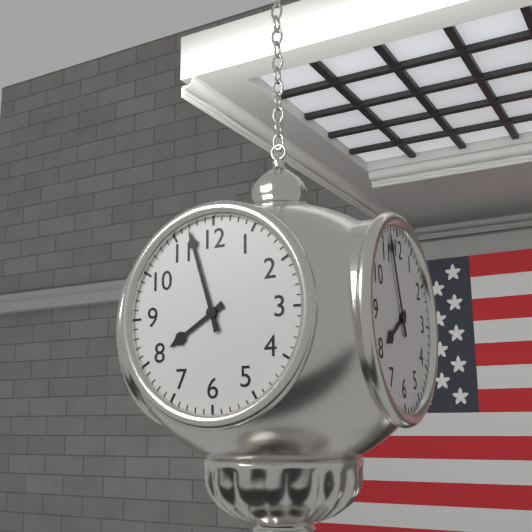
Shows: **7:57**
